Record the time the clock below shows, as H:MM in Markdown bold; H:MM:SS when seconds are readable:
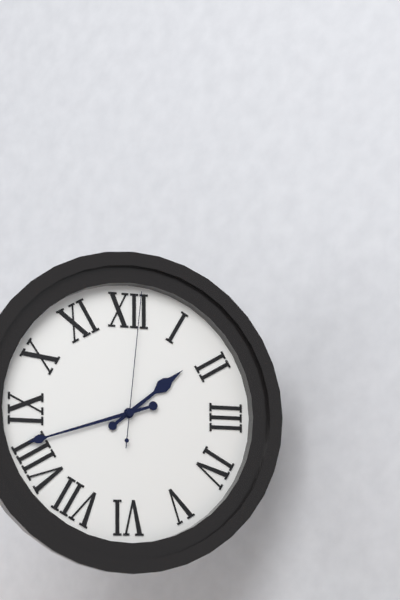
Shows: **1:42:01**
